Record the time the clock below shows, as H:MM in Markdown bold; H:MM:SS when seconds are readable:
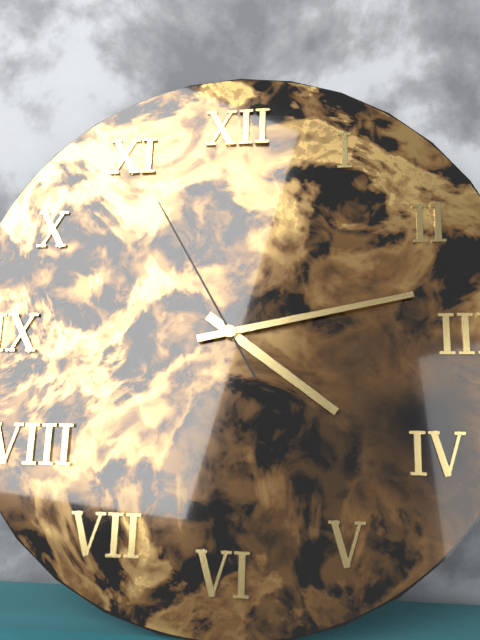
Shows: **4:13:55**
